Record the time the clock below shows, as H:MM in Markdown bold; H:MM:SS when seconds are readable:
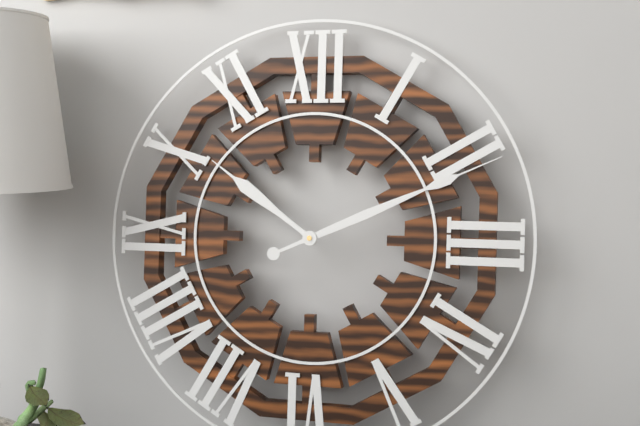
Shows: **10:11**
